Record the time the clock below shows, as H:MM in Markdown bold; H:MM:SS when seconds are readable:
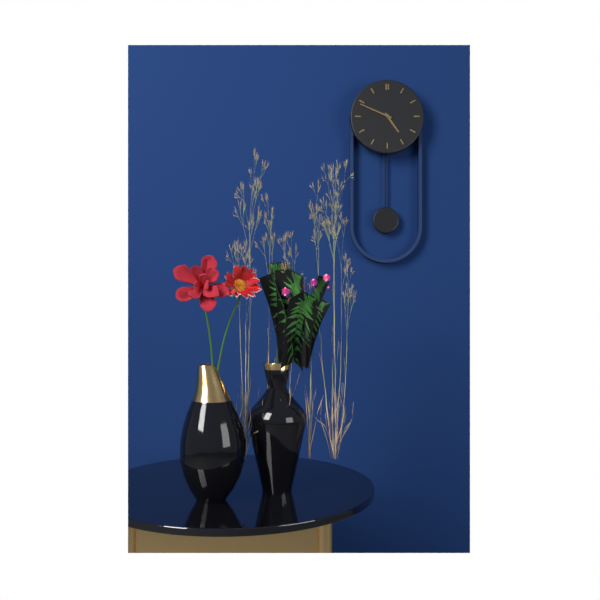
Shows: **4:49**
